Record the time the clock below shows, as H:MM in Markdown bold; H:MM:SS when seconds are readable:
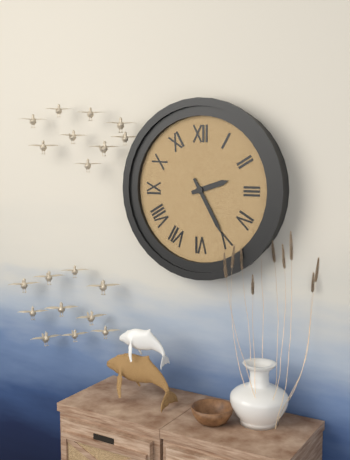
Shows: **2:25**
